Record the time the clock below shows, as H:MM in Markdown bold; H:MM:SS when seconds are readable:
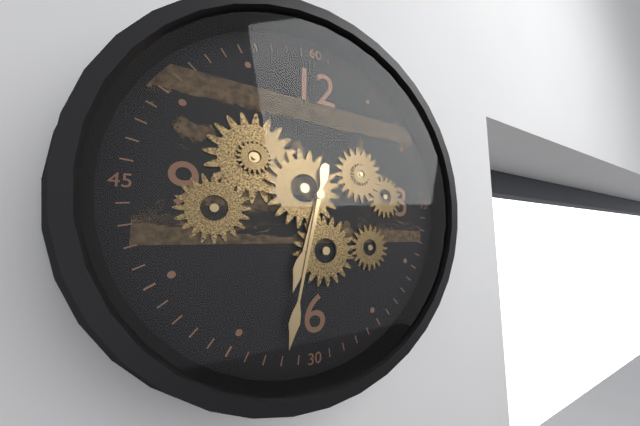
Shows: **6:32**
